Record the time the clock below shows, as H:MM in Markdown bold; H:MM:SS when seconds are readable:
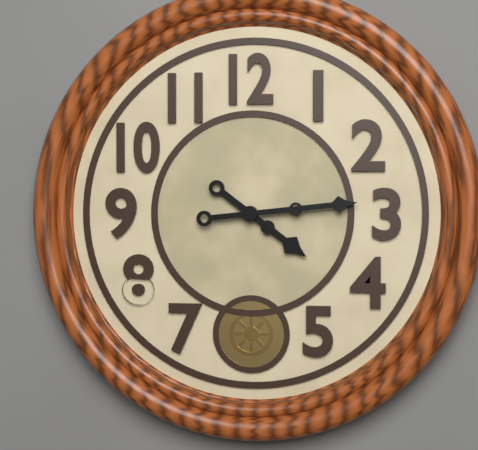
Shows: **4:14**
